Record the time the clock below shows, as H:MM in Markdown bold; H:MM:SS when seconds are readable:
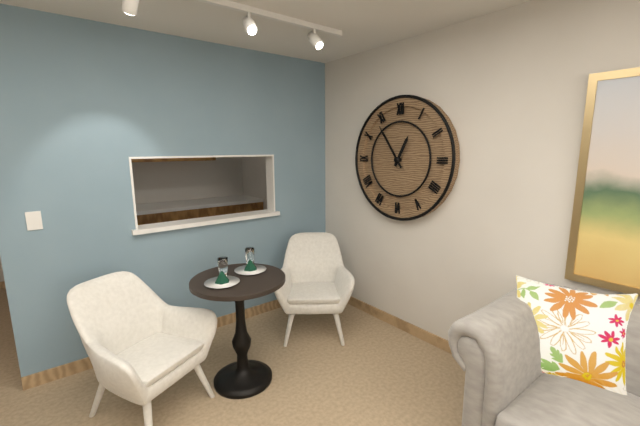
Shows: **12:54**
